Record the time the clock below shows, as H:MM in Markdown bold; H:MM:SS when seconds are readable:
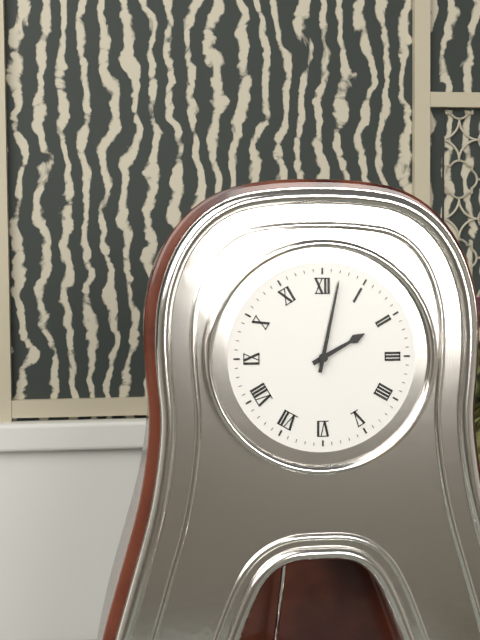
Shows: **2:02**
